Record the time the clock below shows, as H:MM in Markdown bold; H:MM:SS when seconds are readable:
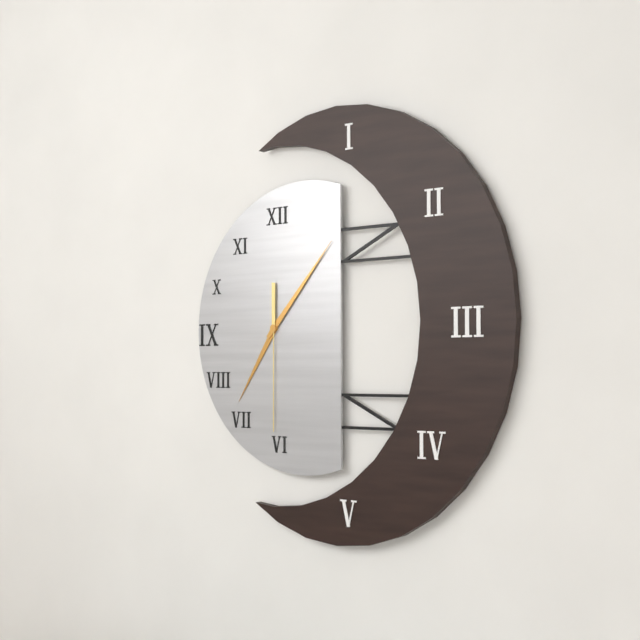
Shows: **7:07:30**
